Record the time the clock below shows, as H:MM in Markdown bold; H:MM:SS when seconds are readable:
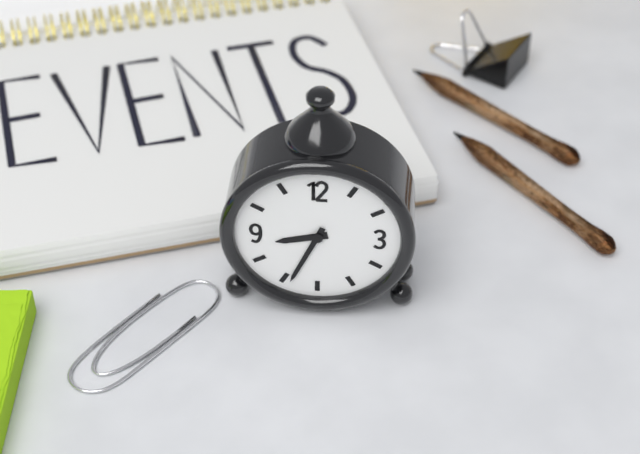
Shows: **8:34**
